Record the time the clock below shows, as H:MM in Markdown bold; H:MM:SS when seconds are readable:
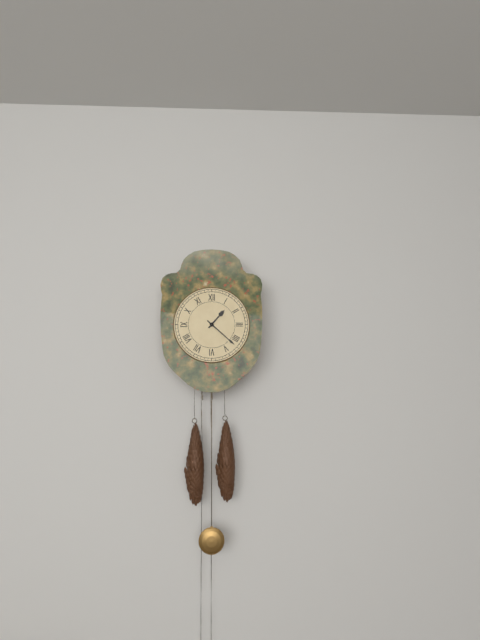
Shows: **1:22**
